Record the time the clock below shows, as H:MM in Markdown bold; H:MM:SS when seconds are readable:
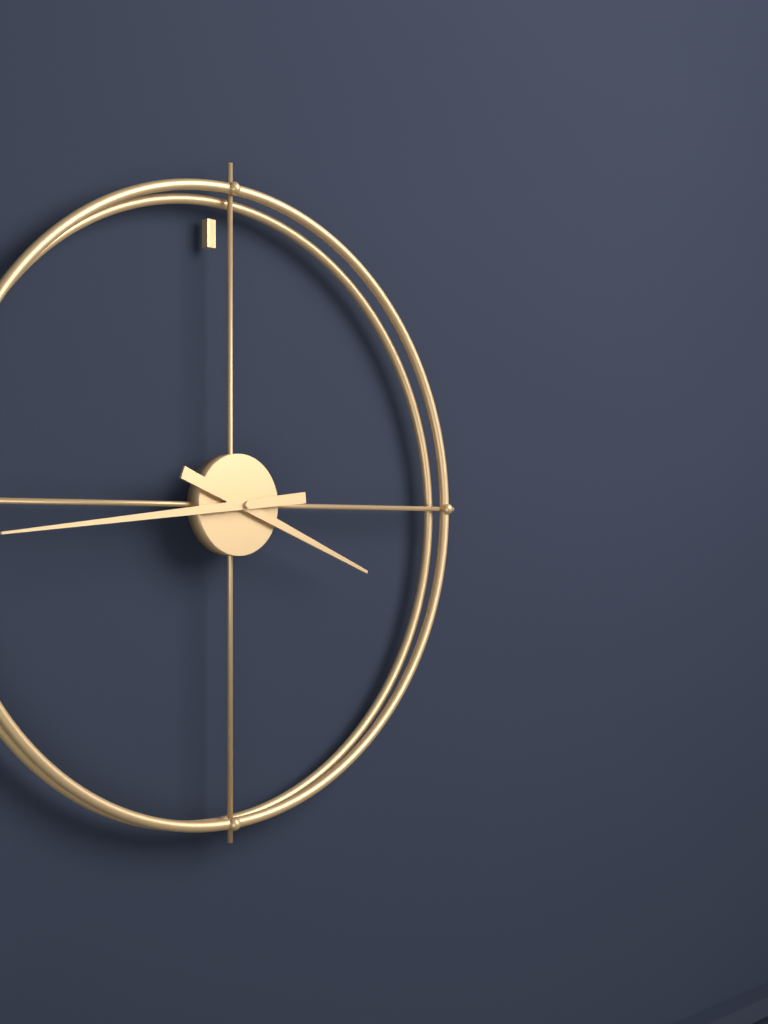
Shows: **3:44**
